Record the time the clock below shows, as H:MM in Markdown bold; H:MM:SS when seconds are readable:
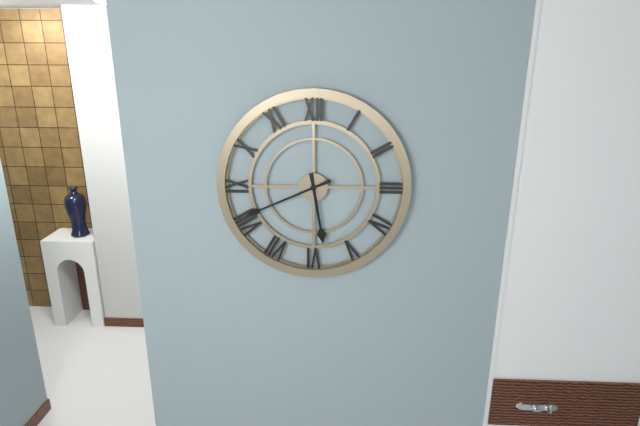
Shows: **5:41**
